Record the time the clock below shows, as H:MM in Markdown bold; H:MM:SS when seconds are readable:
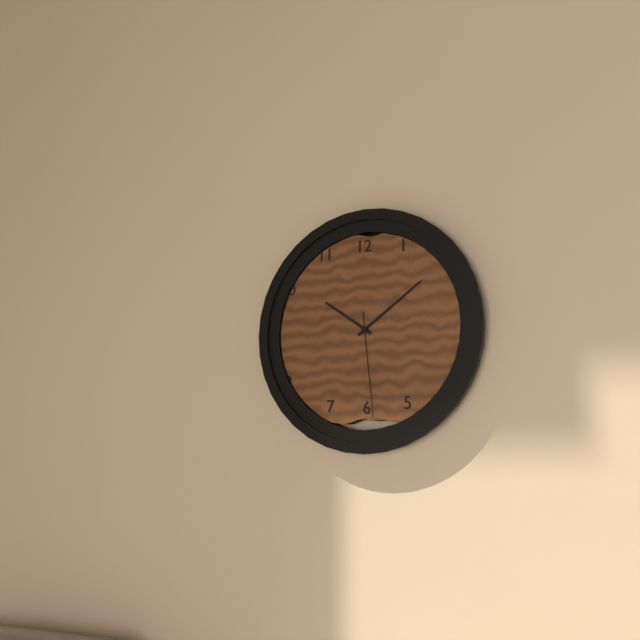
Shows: **10:09:29**
